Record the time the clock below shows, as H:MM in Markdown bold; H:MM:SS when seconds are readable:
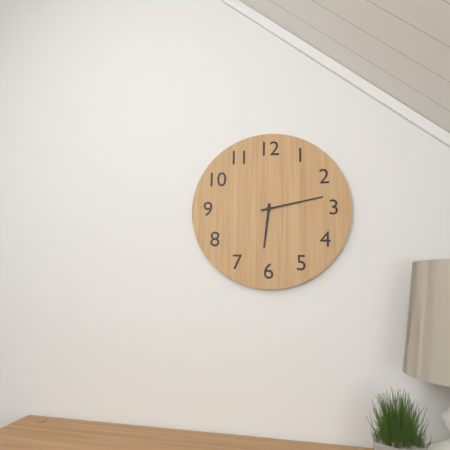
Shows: **6:13**
